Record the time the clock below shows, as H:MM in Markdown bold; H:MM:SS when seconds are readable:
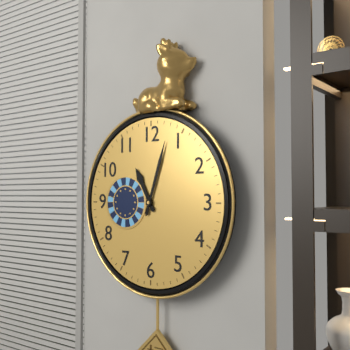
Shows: **11:03**
